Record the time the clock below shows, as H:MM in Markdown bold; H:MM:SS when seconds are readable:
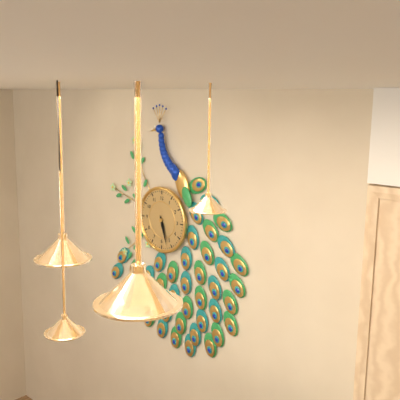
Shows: **5:27**
